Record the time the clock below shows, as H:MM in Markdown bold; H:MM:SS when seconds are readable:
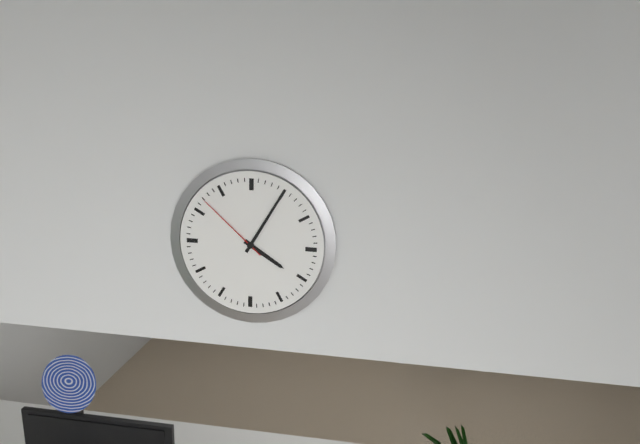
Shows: **4:05:52**
